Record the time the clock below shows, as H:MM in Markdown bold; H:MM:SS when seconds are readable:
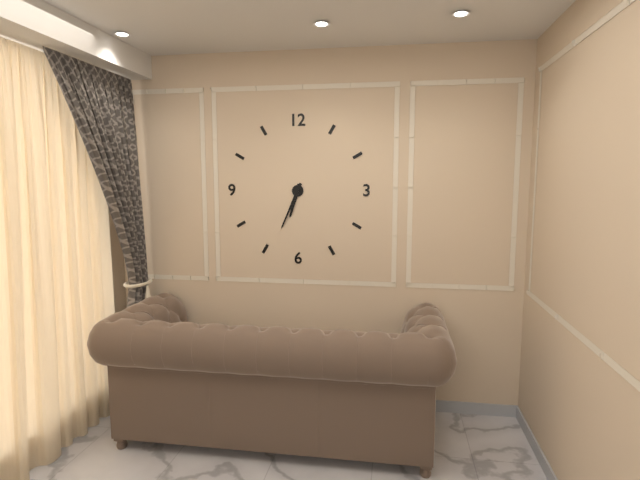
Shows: **6:34**
